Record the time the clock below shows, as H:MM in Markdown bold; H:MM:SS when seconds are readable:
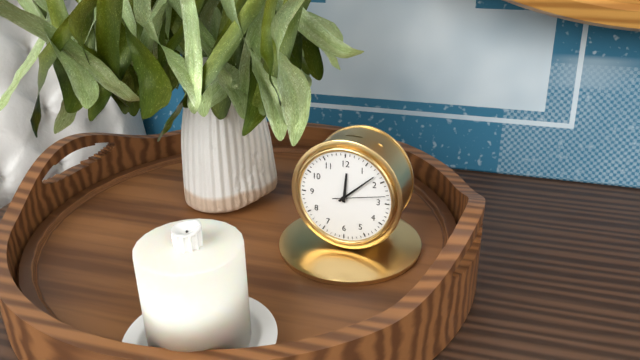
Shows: **12:08:13**
